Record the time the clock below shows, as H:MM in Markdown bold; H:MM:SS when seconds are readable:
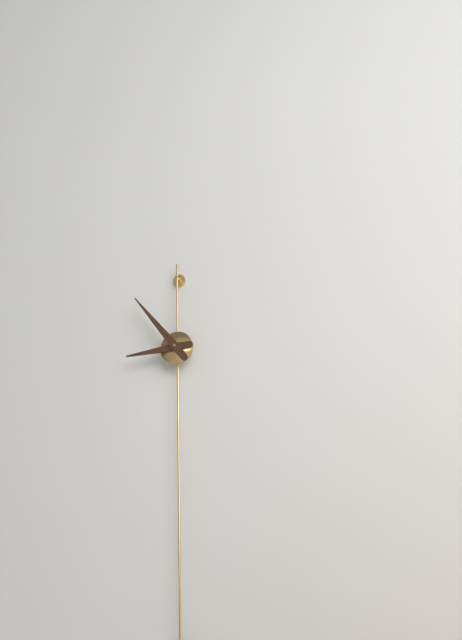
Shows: **8:54**
